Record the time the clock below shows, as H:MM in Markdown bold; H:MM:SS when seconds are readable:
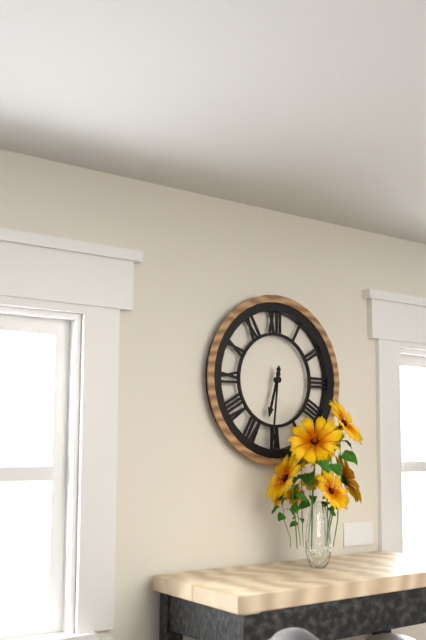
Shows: **6:31**
